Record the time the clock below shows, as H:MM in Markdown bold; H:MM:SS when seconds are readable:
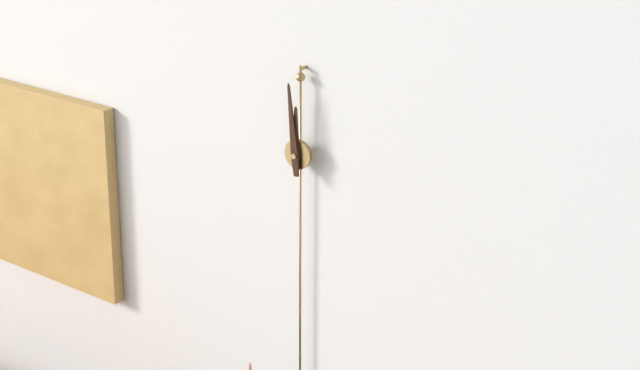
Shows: **11:59**
